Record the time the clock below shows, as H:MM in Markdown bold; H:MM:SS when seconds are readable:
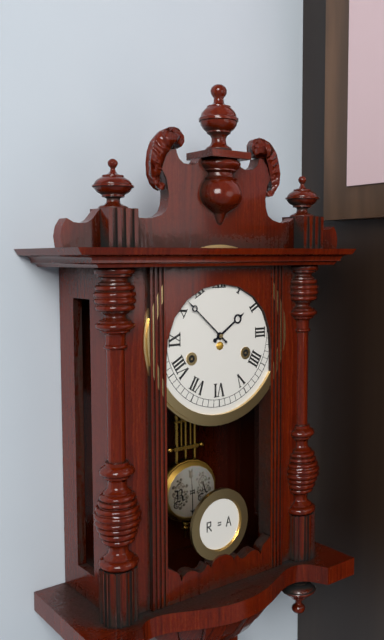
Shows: **1:52**
